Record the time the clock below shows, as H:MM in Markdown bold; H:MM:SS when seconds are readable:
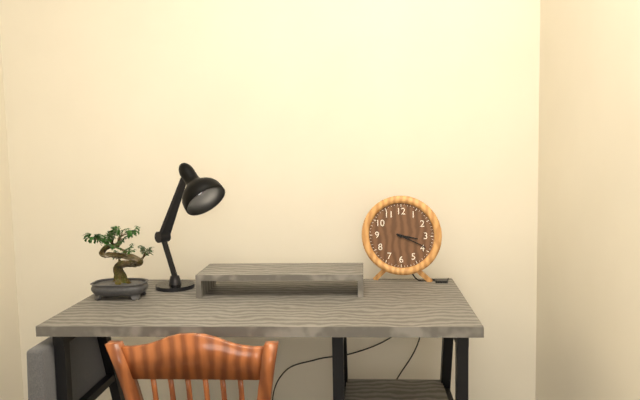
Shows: **3:19**
